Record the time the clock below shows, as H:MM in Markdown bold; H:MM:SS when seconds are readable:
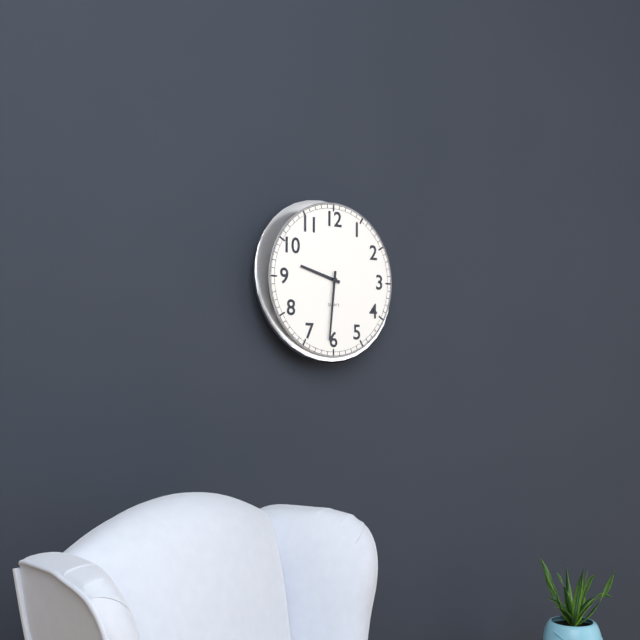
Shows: **9:31**
